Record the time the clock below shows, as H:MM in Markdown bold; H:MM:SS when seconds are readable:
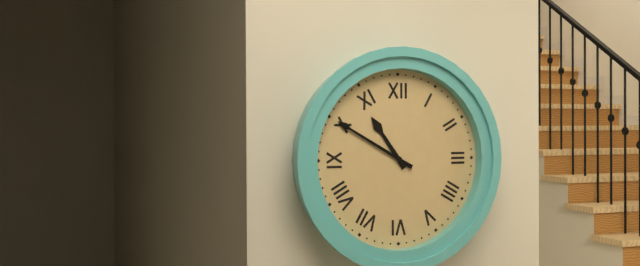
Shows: **10:50**
